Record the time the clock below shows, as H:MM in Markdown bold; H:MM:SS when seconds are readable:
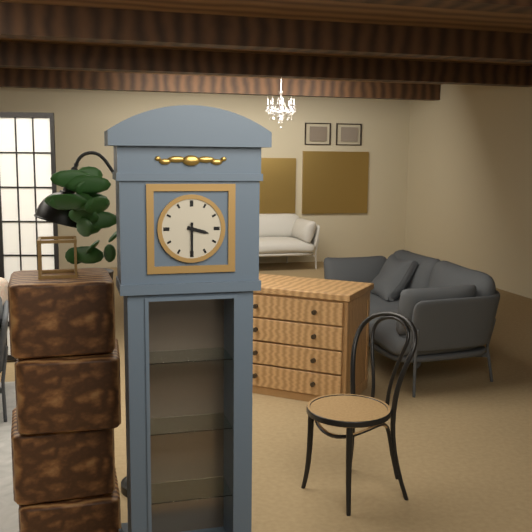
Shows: **3:30**
